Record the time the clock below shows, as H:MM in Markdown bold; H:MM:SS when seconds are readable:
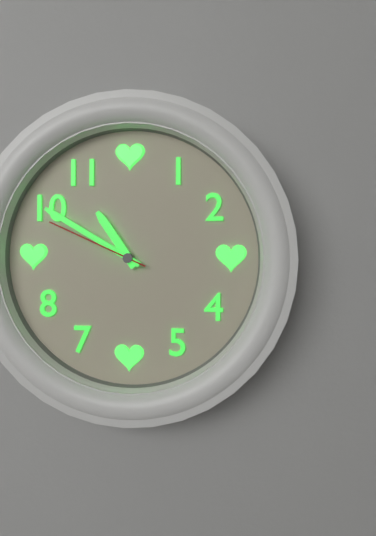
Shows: **10:50:49**
